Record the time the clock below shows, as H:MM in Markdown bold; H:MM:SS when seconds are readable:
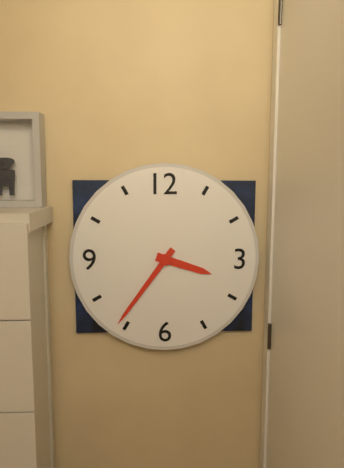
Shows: **3:36**
